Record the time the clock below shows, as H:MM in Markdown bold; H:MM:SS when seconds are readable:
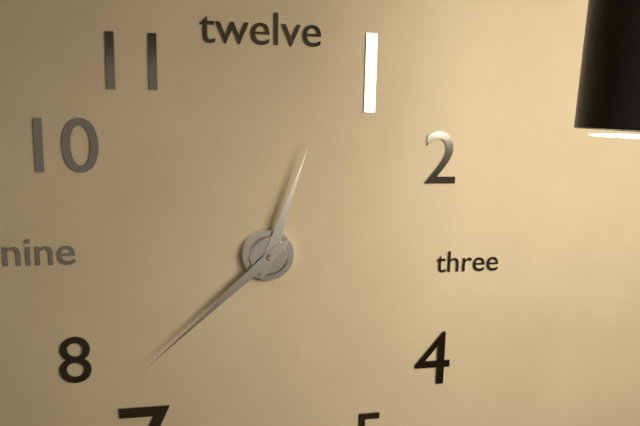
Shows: **12:38**
